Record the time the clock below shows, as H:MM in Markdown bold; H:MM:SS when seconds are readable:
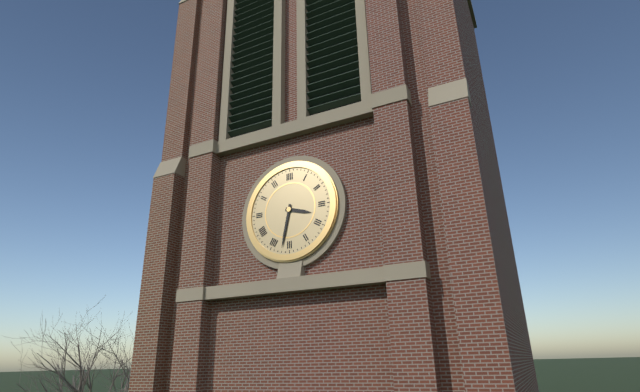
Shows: **3:32**
